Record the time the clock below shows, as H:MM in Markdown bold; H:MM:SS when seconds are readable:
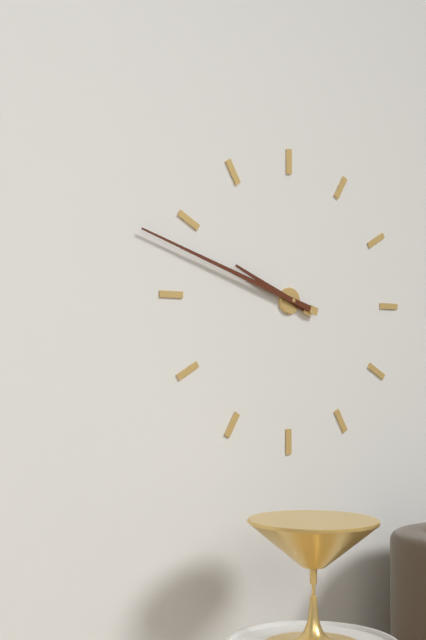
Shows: **9:48**
